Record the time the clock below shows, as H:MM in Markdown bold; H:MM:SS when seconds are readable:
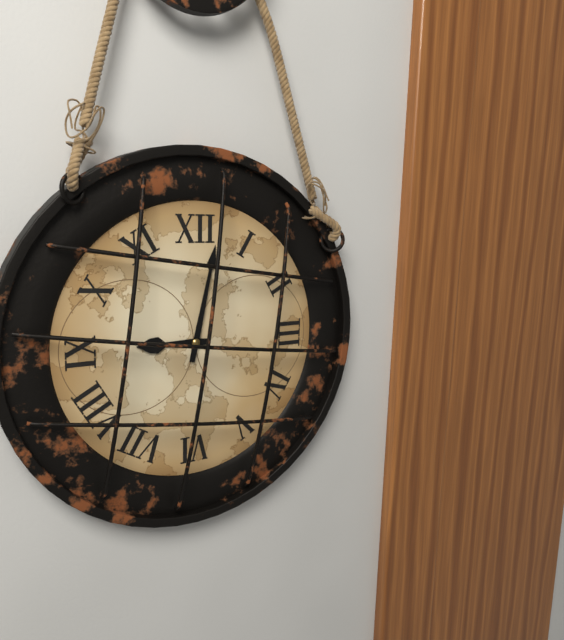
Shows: **9:02**
